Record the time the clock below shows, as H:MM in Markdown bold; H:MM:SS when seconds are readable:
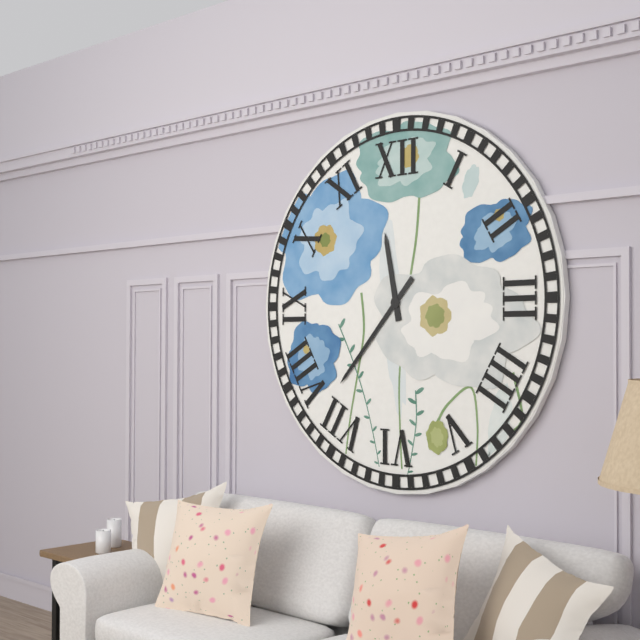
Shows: **11:37**
